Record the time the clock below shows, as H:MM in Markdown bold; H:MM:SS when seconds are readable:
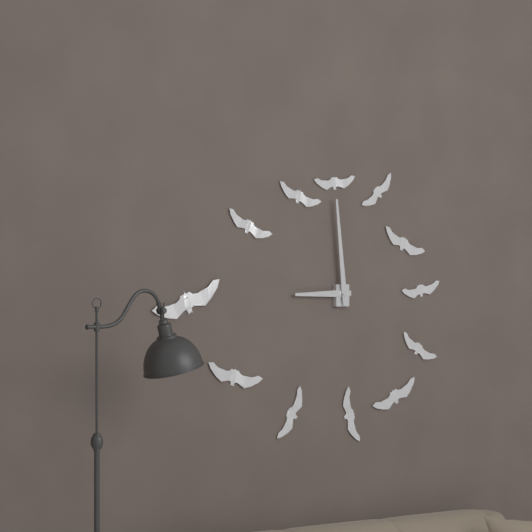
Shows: **8:59**
